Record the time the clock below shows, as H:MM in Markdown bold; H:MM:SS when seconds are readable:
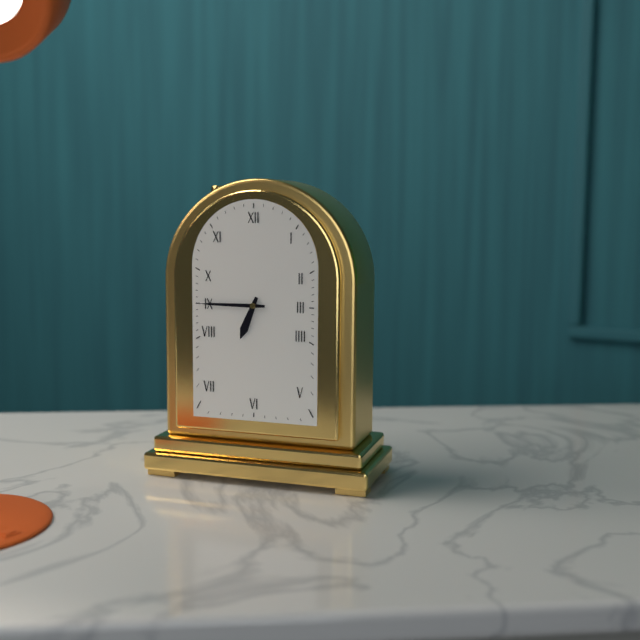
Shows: **6:45**
